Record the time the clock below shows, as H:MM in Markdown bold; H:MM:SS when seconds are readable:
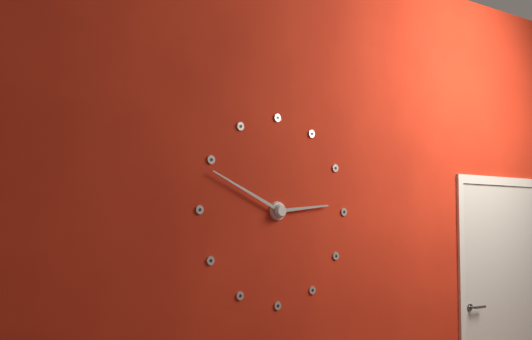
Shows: **2:49**
